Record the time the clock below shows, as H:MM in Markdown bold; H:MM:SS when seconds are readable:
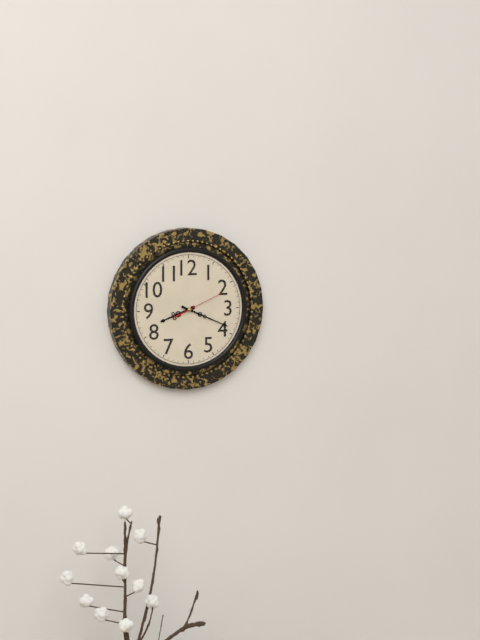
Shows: **8:19**
